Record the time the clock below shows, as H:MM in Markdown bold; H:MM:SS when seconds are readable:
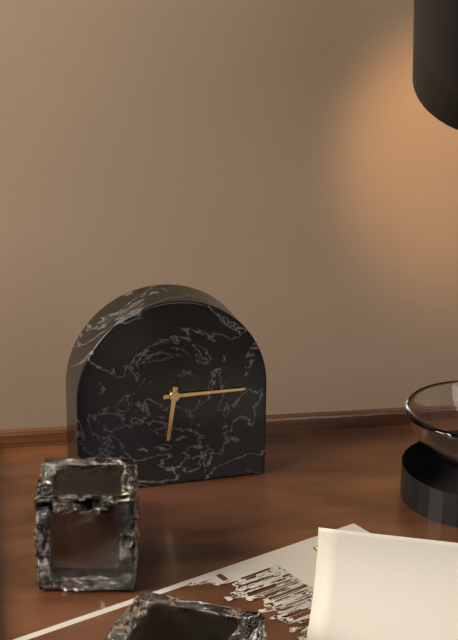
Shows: **6:15**
